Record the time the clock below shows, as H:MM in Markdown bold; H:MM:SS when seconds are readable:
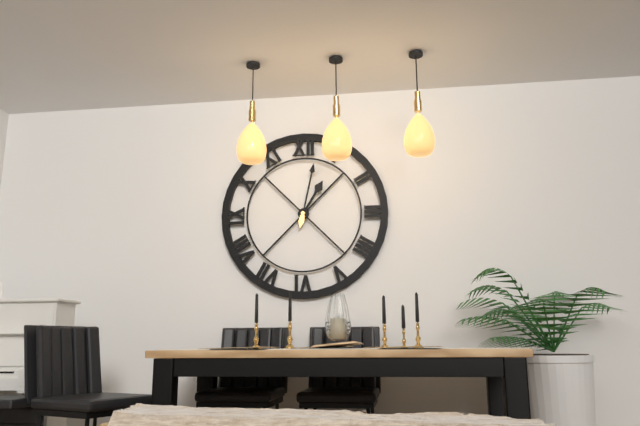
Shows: **1:02**
